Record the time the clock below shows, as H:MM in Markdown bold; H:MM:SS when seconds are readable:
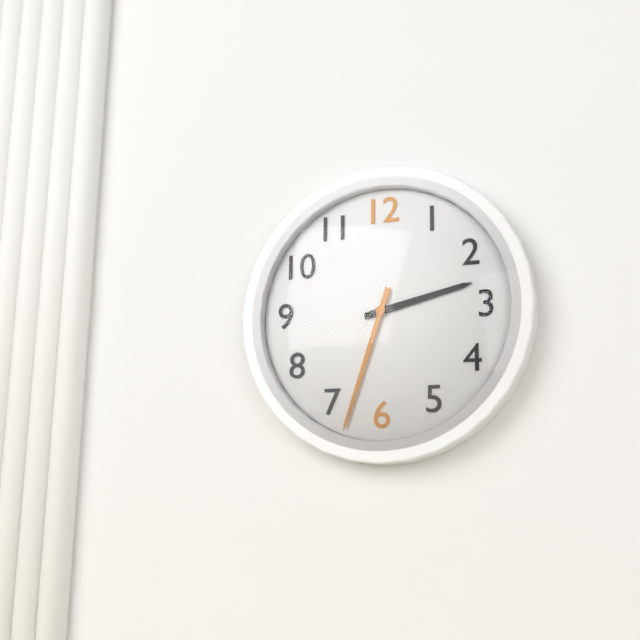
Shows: **2:33**
